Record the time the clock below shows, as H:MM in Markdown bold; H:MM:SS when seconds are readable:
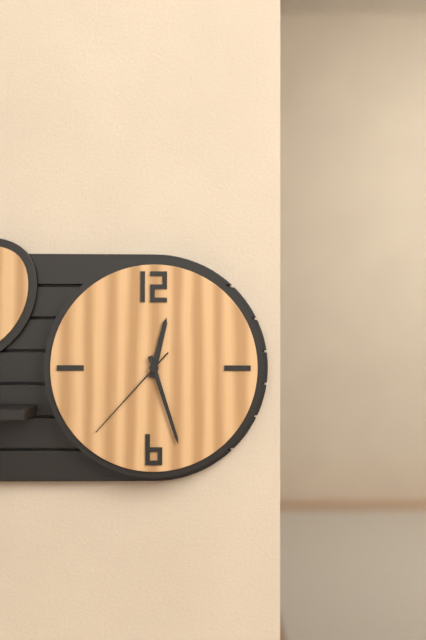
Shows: **12:27:37**
